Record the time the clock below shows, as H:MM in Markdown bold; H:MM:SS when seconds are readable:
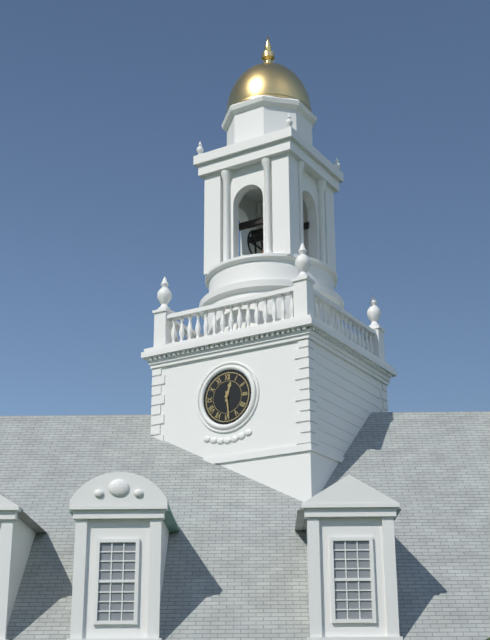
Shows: **12:29**
